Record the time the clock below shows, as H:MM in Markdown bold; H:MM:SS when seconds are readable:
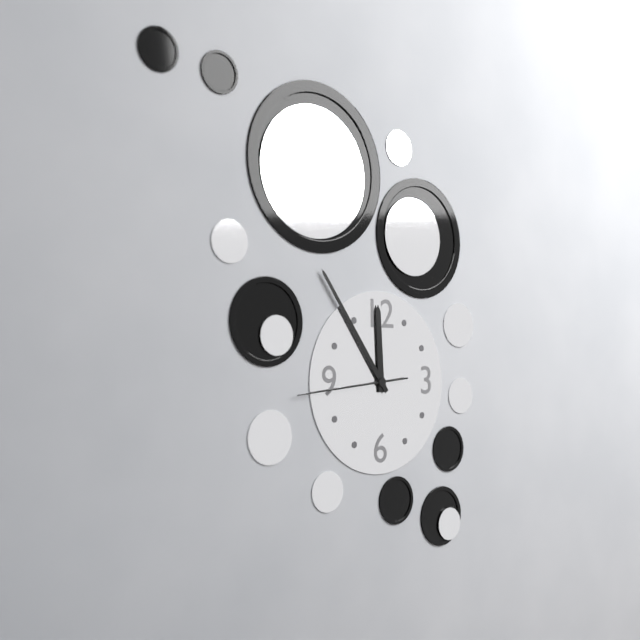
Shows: **11:54:44**
